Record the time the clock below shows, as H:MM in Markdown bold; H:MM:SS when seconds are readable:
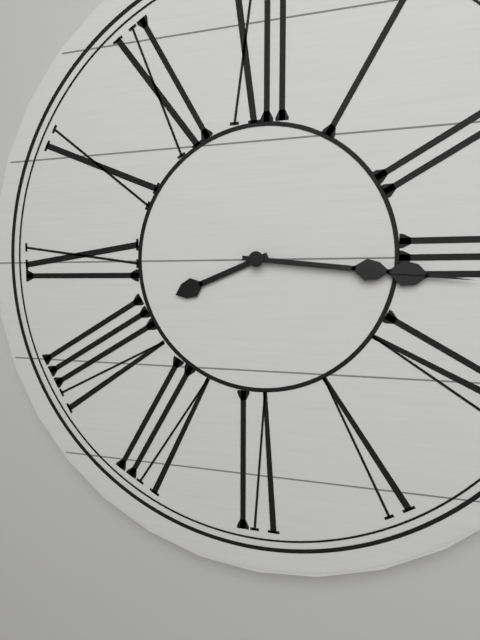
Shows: **8:16:16**
